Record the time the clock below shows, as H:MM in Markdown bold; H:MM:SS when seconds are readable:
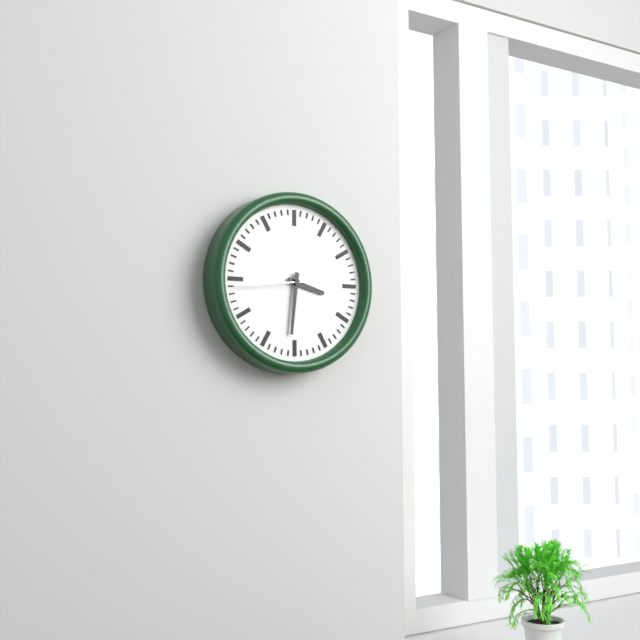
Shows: **3:31:44**
